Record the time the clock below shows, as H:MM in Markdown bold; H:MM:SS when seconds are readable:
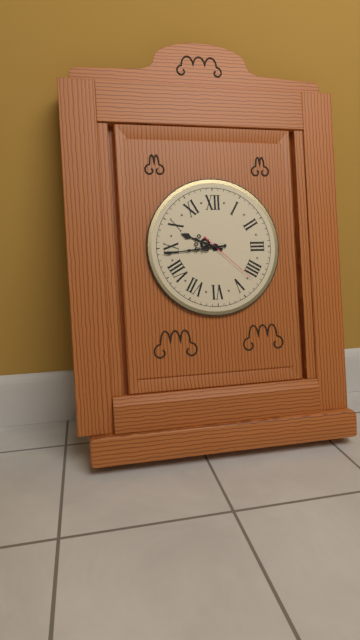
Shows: **9:44:22**
